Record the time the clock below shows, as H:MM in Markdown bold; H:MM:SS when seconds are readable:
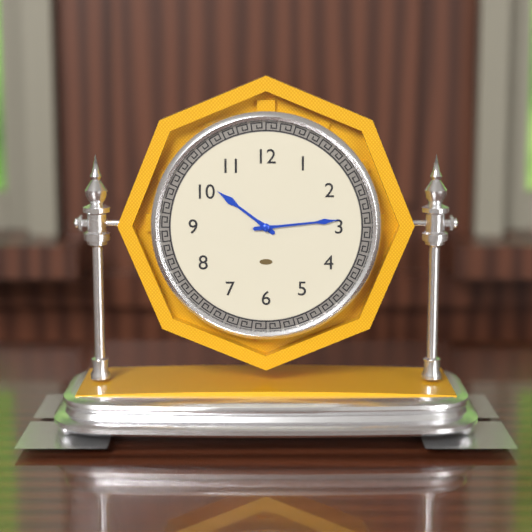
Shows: **10:14**
